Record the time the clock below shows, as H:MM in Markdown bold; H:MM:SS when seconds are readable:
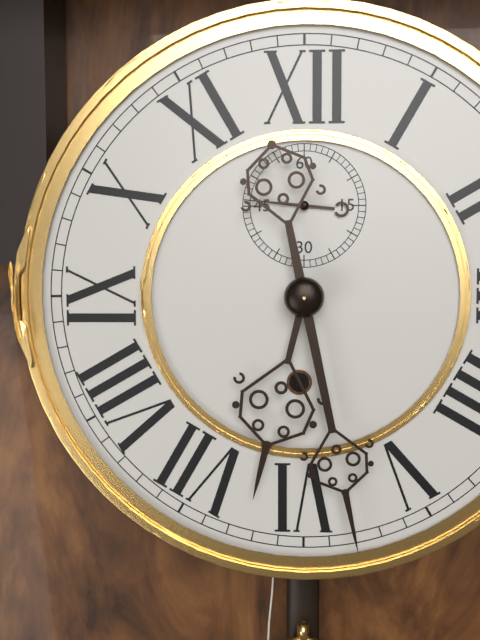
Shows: **6:28:46**
